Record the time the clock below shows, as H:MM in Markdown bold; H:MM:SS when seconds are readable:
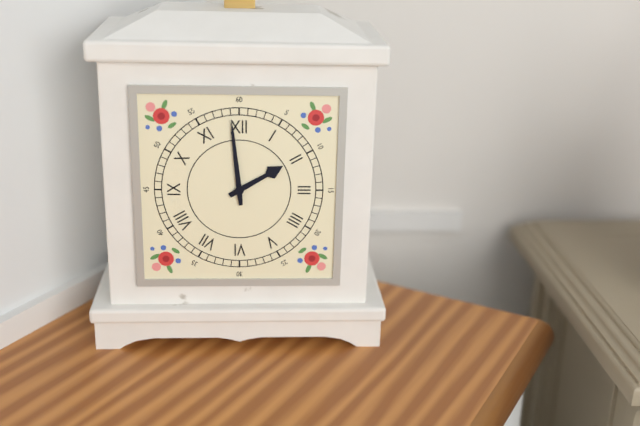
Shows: **1:59**
